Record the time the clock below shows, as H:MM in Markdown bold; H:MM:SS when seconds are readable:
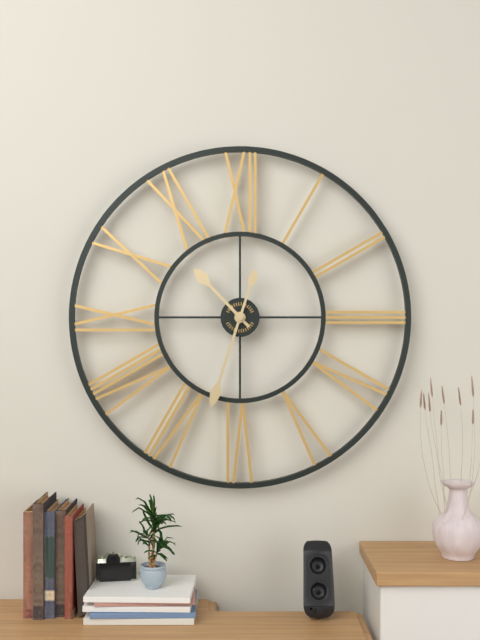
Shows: **10:33**
